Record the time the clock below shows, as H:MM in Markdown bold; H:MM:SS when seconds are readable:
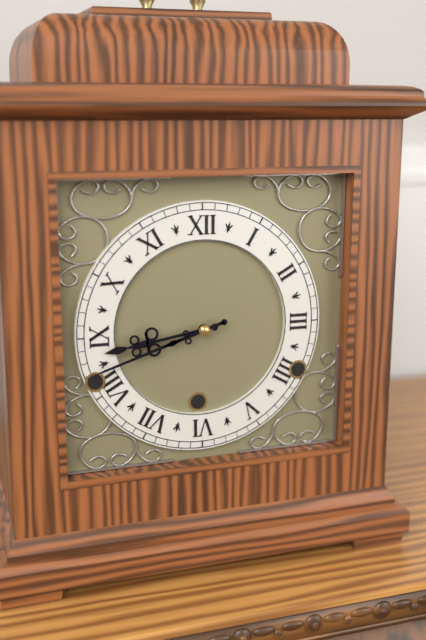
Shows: **8:42**
